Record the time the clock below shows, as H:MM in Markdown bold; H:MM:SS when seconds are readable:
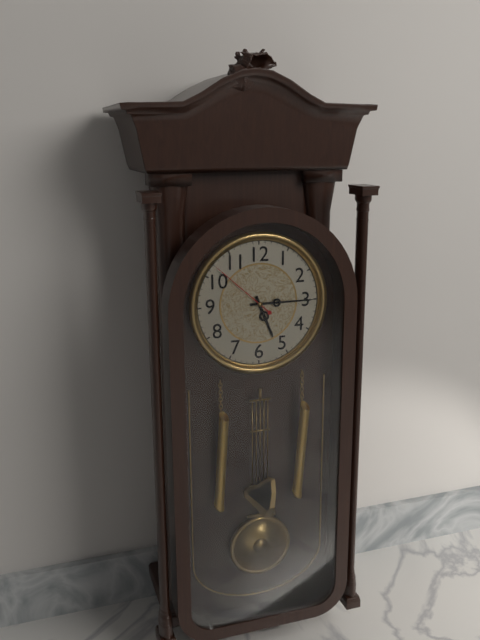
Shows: **5:15:52**
